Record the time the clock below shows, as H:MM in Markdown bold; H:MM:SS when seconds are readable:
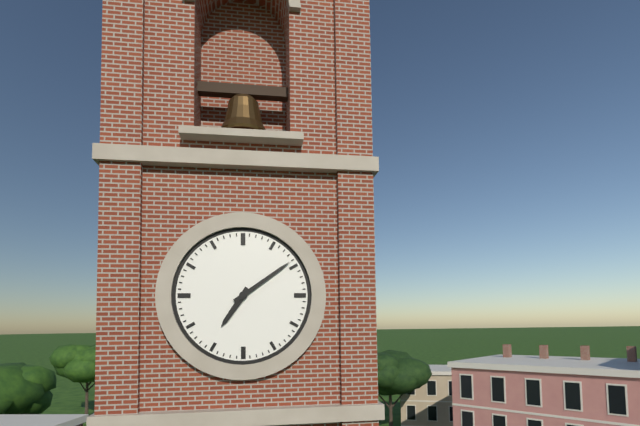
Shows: **7:09**
